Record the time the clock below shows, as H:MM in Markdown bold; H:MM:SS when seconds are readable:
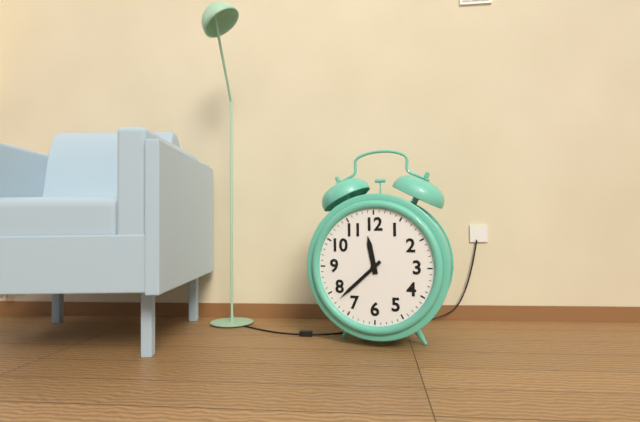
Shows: **11:38**
